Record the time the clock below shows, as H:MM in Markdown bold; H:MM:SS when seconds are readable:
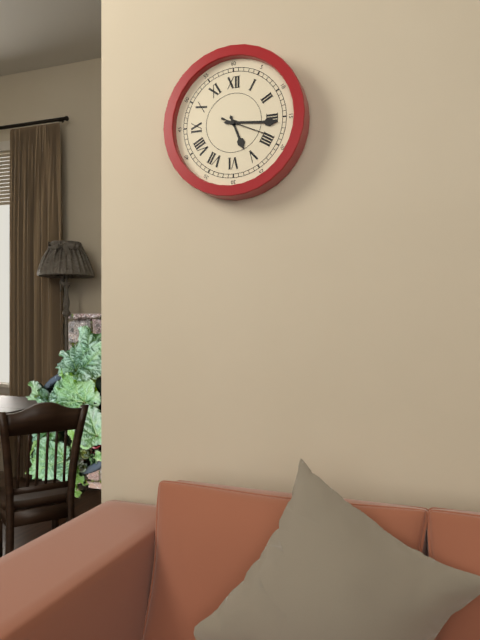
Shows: **5:16**
